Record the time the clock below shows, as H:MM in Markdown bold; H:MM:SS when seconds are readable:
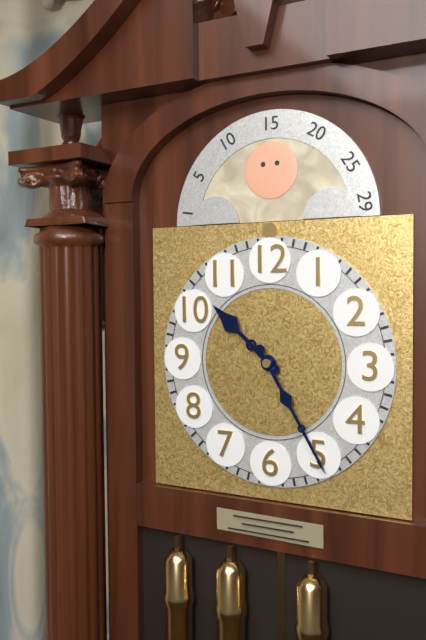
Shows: **10:25**
